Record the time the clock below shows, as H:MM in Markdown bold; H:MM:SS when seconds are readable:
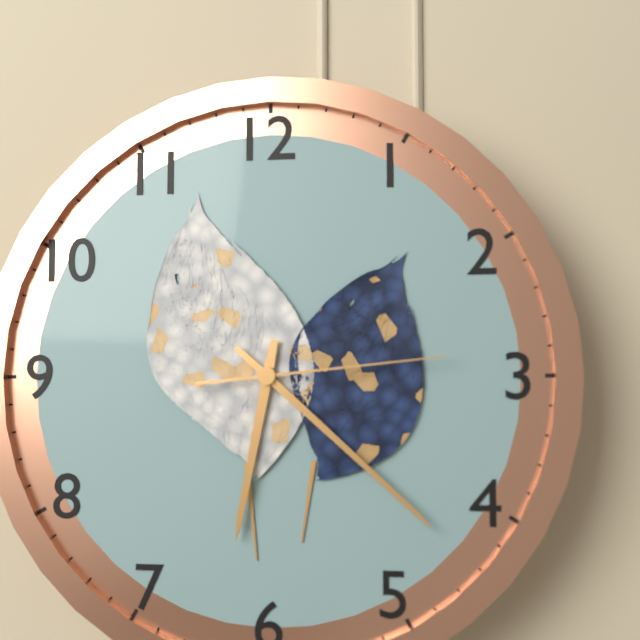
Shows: **6:22:14**
